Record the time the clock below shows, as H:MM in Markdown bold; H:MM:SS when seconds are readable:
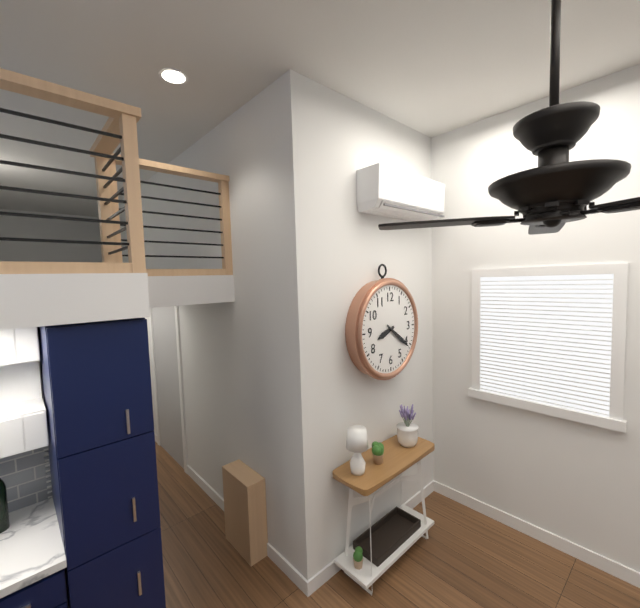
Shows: **8:21**
